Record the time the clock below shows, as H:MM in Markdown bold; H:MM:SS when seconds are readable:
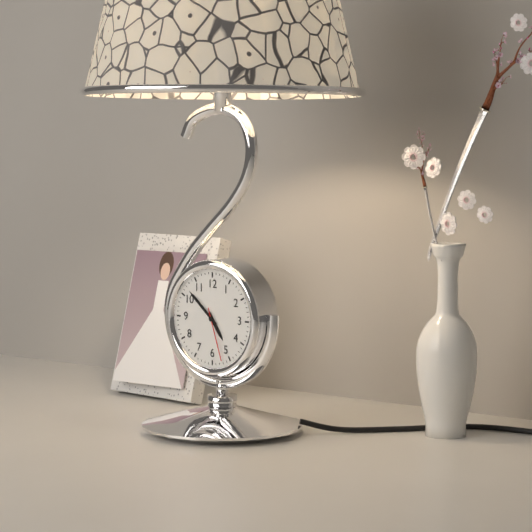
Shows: **4:52:27**
